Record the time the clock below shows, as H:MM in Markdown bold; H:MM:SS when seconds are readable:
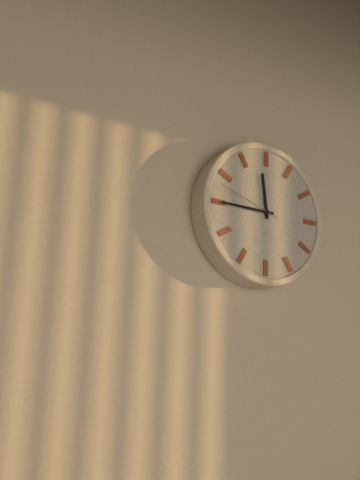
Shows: **11:45:48**
